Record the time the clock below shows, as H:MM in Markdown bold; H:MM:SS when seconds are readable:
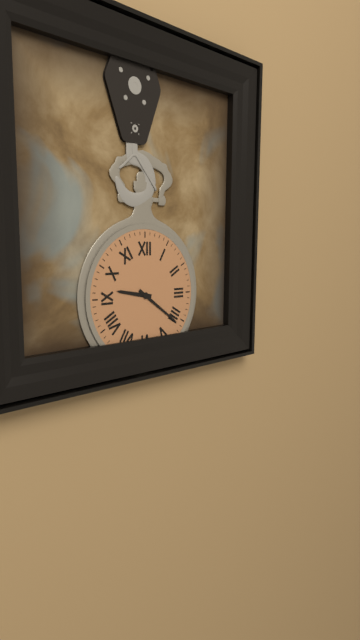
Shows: **9:21**
